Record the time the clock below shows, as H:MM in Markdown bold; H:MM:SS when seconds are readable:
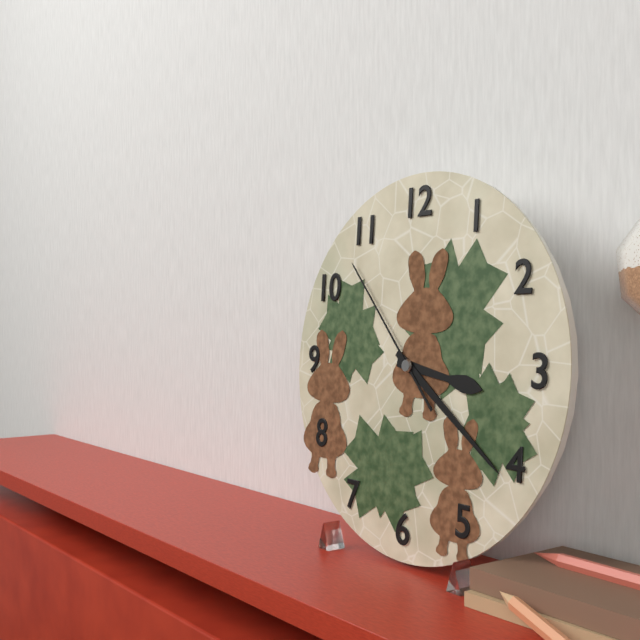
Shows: **3:21:53**
